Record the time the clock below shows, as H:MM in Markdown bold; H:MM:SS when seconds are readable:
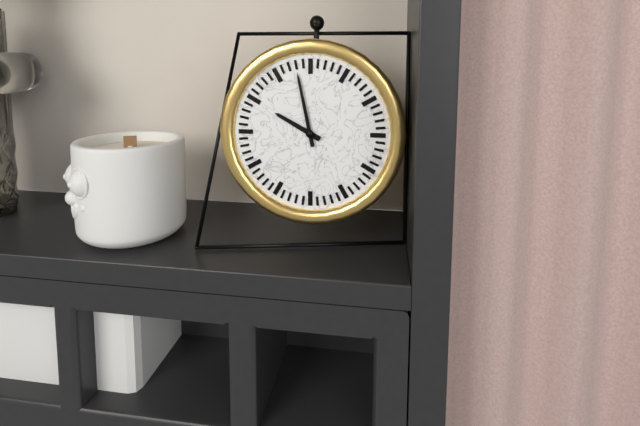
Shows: **9:58**
